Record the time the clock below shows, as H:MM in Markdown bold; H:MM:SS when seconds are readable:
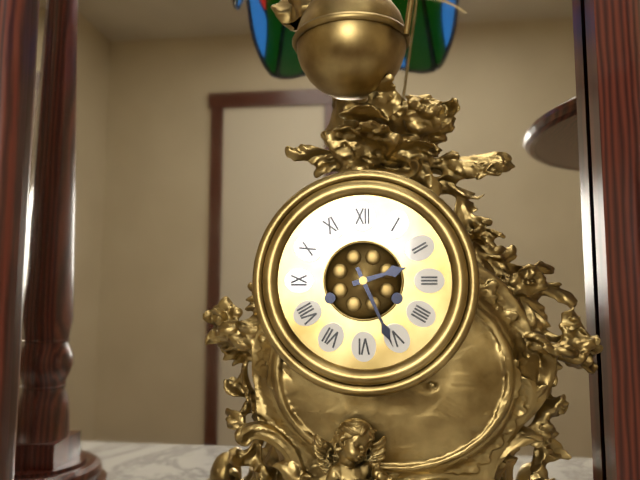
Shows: **2:26**
